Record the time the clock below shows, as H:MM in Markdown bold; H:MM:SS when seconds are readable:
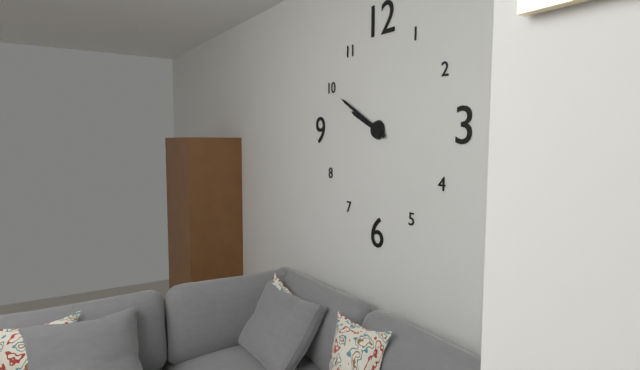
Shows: **9:50**
